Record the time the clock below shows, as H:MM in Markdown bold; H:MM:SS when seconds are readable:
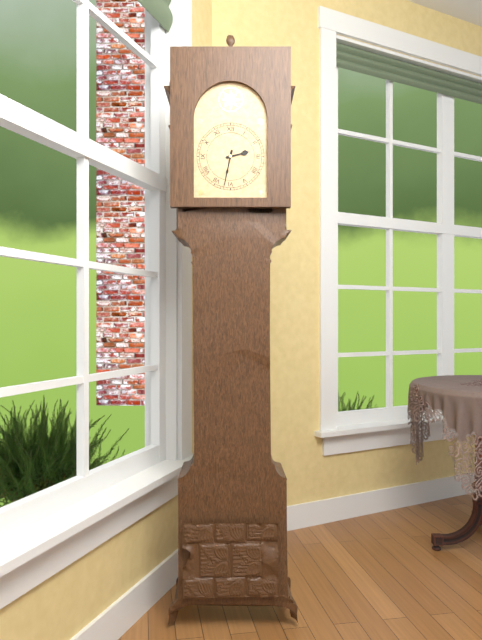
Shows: **2:32**
